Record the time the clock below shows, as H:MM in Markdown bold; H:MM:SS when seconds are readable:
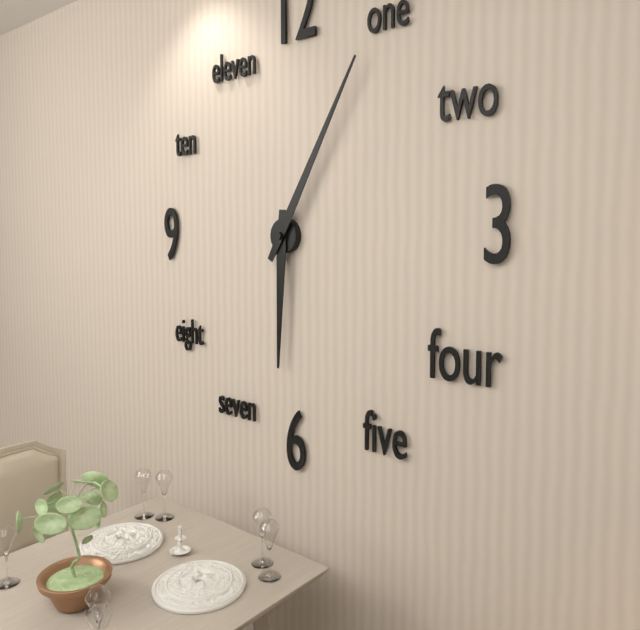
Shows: **6:05**
